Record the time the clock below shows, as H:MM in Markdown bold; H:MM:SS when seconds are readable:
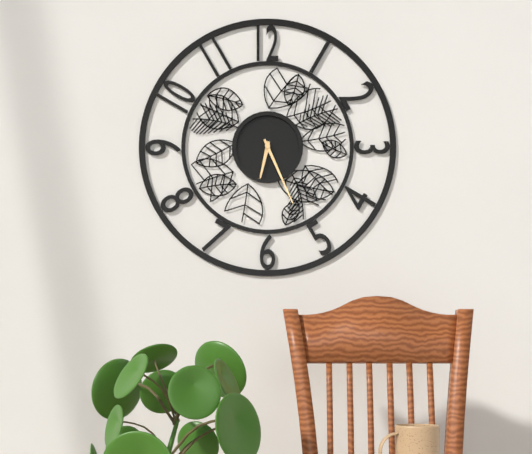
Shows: **6:26**
